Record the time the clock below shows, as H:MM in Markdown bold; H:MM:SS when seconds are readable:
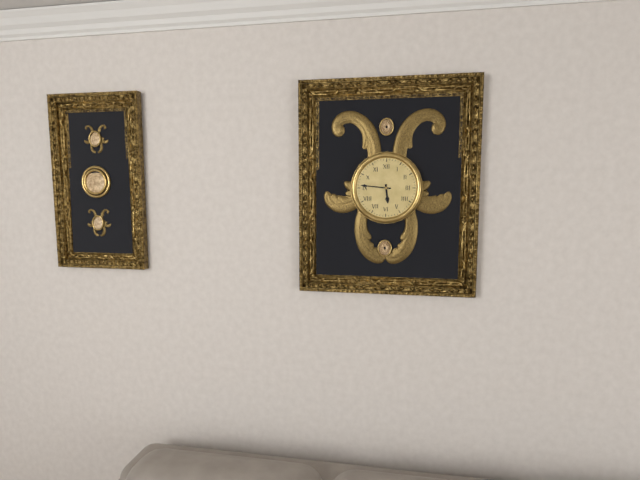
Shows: **5:46**
